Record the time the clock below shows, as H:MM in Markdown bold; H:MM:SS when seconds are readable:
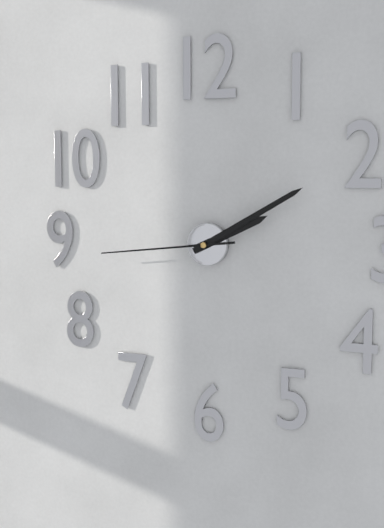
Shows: **2:10:44**
